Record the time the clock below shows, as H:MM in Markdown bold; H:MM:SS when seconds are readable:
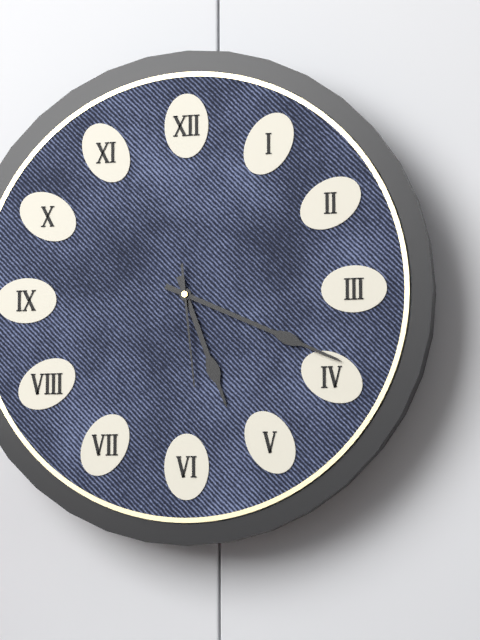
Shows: **5:19:29**
